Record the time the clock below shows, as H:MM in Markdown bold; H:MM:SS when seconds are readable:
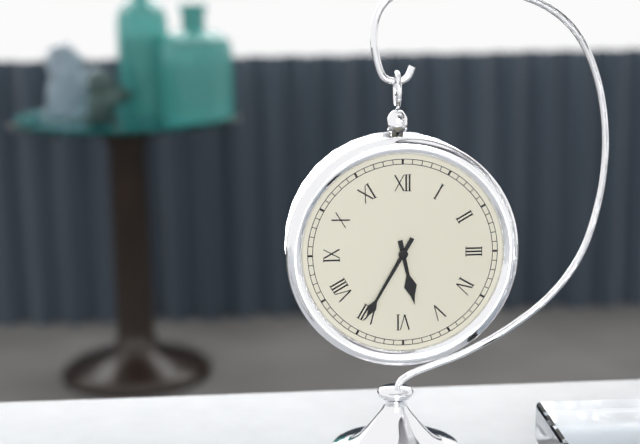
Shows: **5:35**
